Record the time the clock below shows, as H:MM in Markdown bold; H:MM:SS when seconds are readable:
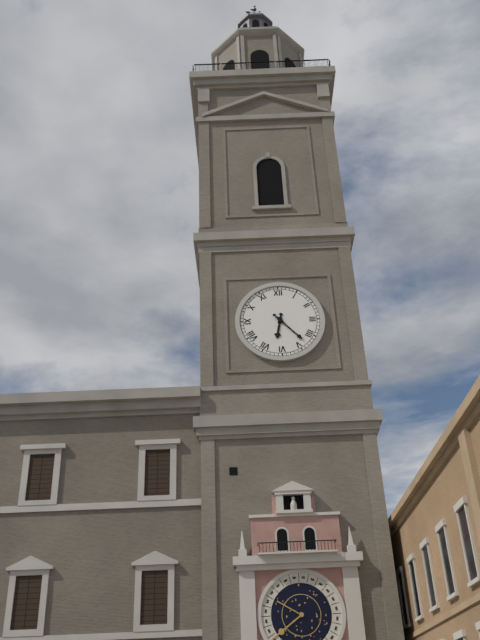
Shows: **6:23**
